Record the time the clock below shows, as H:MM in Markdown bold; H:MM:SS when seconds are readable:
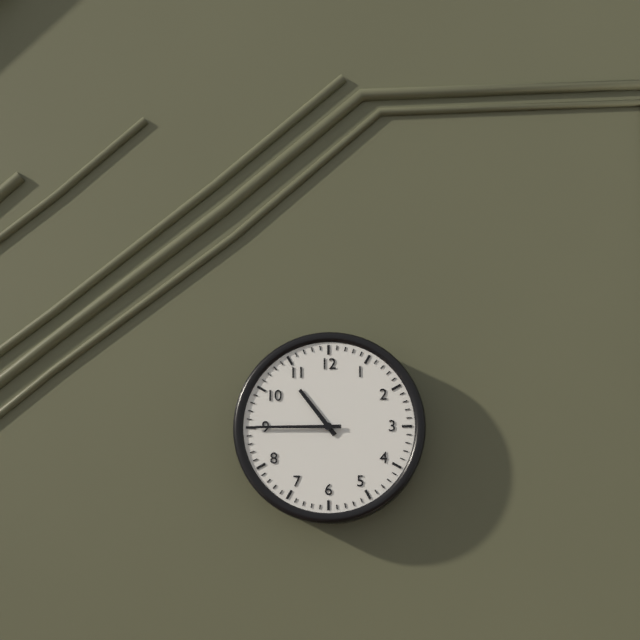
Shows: **10:45**
